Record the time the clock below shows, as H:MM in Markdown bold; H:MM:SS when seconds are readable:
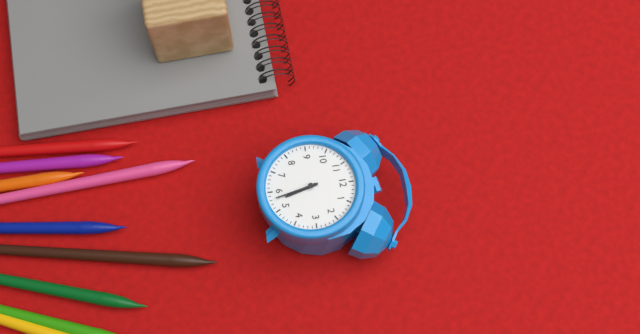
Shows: **5:28**
